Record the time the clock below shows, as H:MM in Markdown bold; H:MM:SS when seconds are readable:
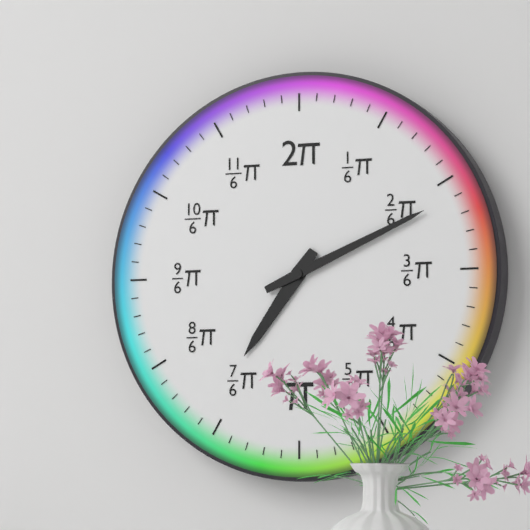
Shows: **7:11**
